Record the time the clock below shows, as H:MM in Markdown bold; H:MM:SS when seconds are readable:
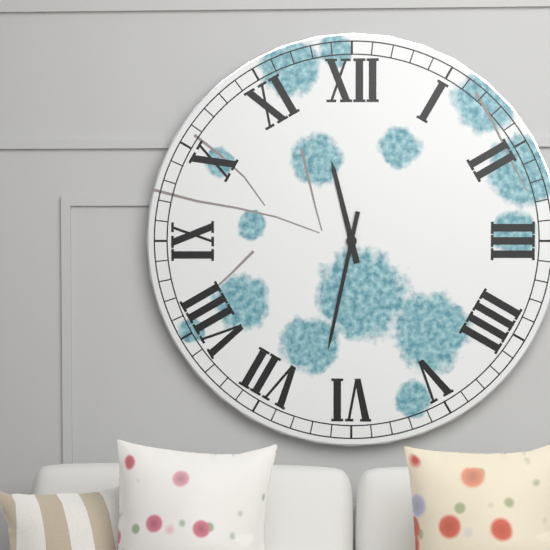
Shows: **11:32**
